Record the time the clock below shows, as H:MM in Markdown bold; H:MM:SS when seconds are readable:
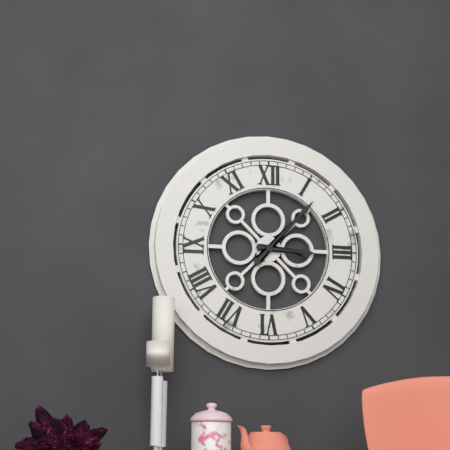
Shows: **3:07**
